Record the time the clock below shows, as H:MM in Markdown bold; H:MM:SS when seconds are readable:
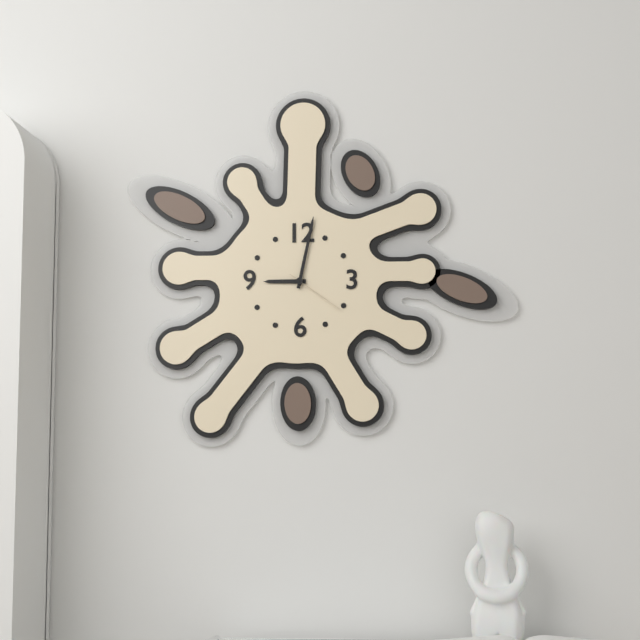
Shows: **9:02:21**
